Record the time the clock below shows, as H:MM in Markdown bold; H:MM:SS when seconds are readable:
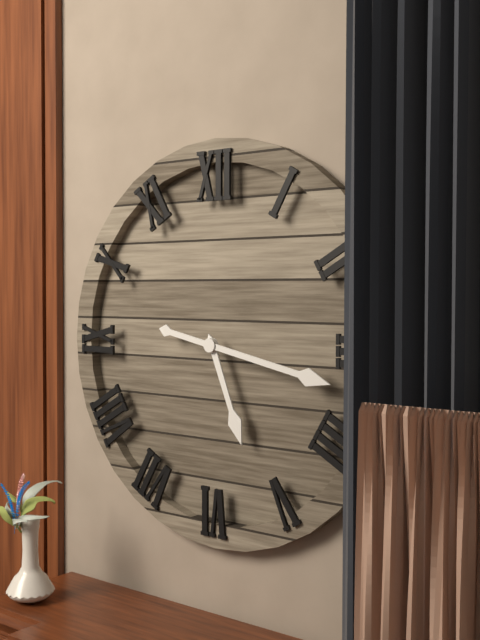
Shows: **5:17**
